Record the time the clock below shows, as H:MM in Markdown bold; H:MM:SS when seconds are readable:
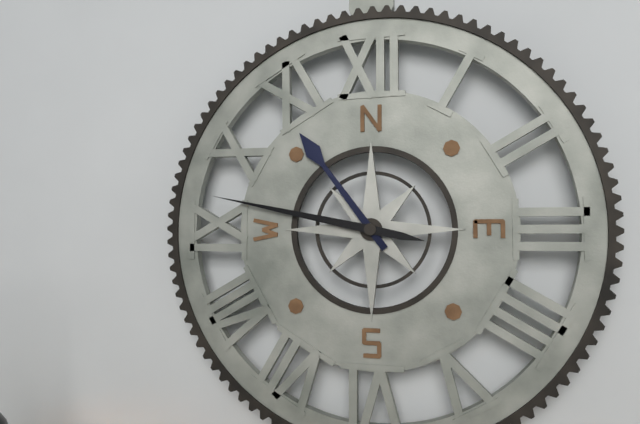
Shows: **10:47**
